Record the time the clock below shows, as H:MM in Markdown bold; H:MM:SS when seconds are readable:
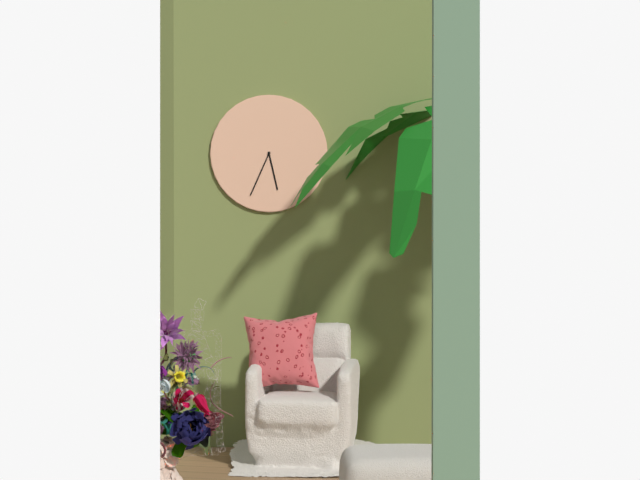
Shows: **5:34**
